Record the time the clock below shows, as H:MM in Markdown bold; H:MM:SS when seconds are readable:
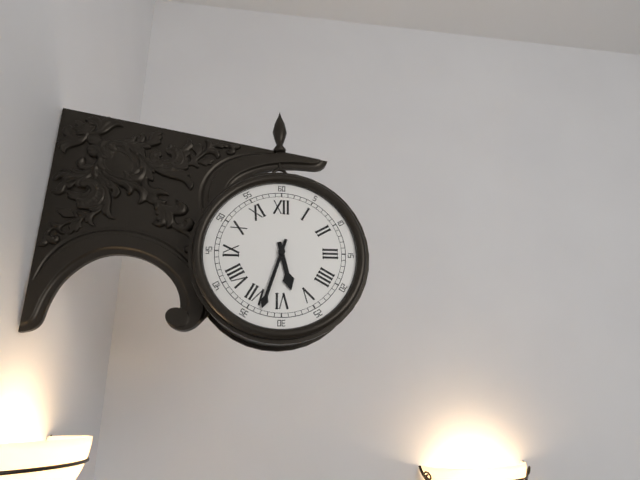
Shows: **5:33**
